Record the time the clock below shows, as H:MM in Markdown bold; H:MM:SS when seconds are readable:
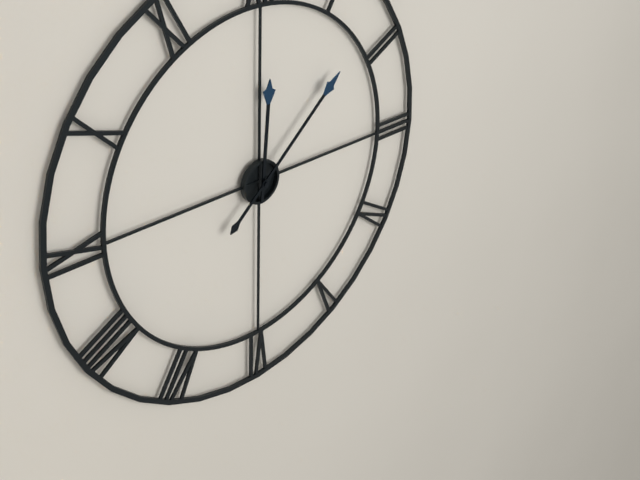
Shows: **12:08**
